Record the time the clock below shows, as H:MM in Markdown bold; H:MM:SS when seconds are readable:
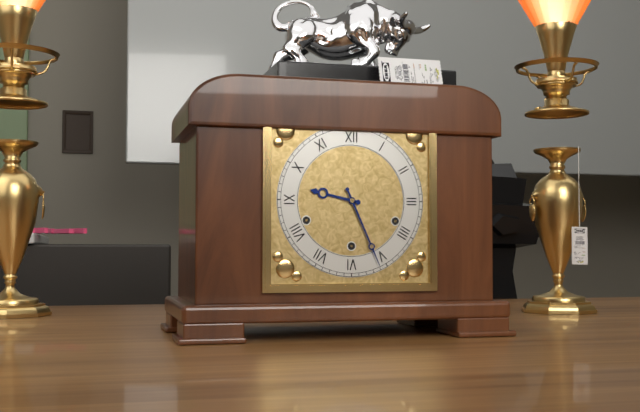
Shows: **9:26**
